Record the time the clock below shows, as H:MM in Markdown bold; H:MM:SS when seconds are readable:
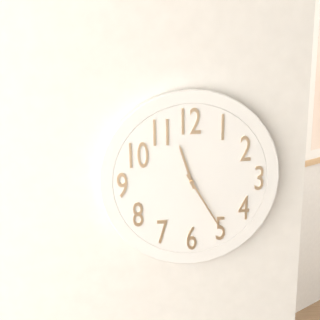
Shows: **11:25**
